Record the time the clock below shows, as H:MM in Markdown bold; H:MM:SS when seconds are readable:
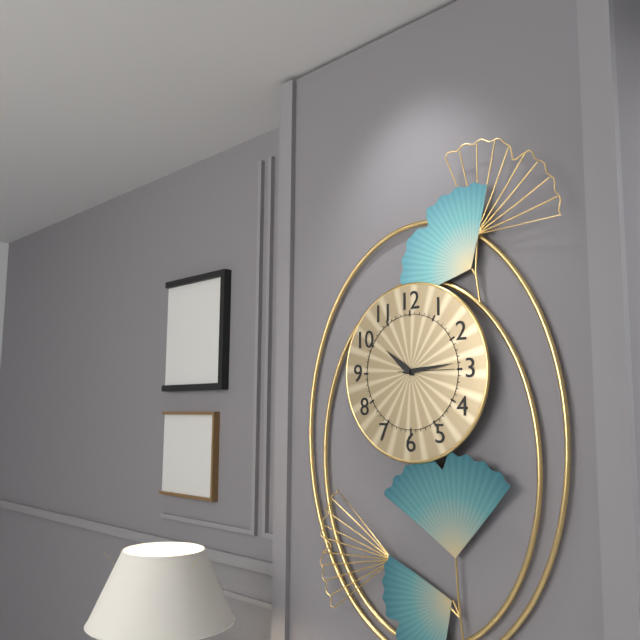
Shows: **10:14:15**
